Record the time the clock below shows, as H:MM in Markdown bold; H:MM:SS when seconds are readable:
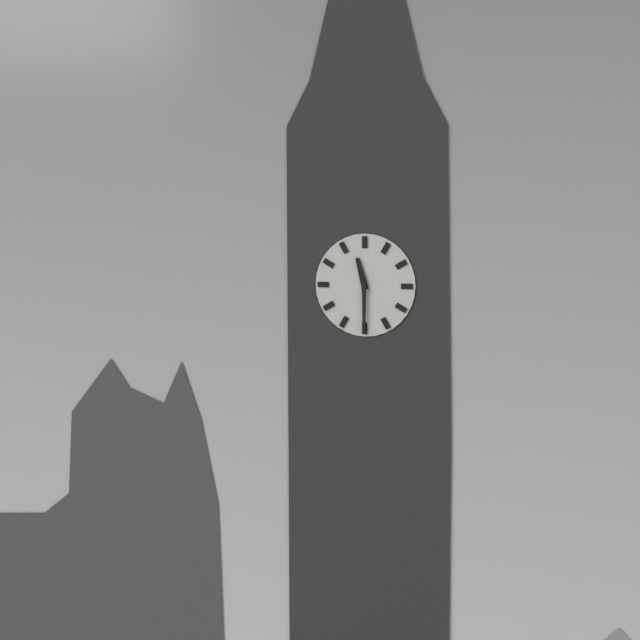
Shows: **11:30**
